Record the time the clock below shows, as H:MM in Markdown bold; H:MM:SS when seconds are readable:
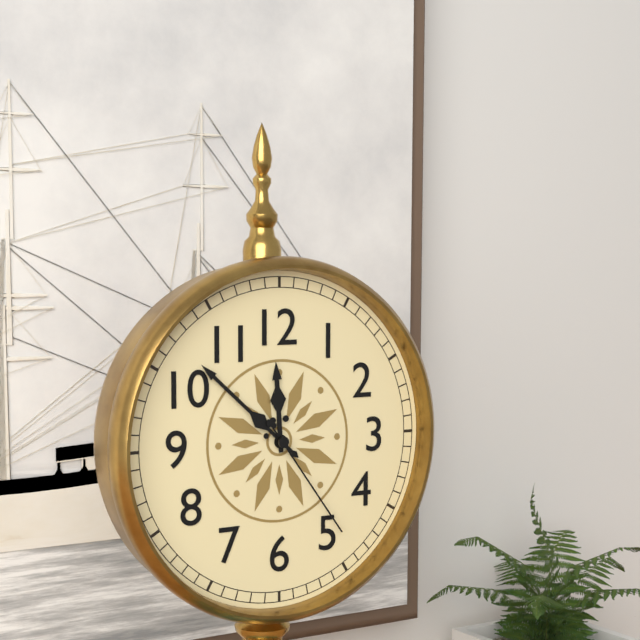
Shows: **11:52:24**
